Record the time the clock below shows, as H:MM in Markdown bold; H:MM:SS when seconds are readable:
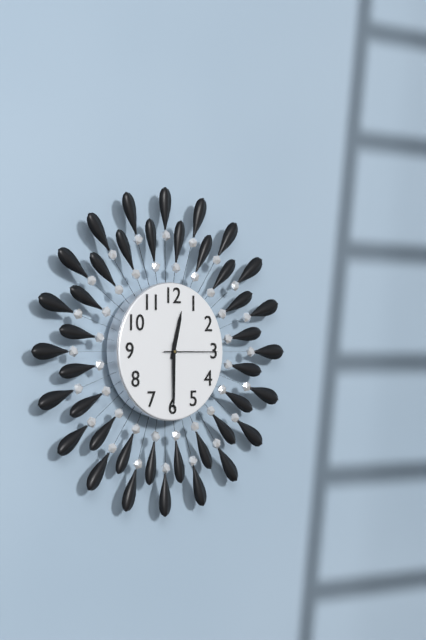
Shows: **12:30:15**
